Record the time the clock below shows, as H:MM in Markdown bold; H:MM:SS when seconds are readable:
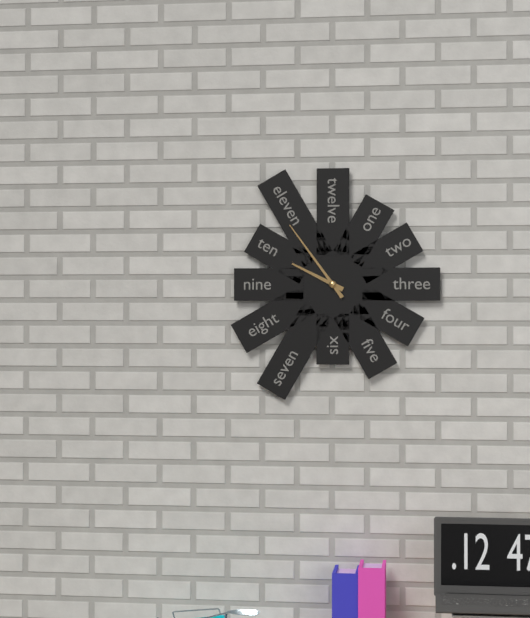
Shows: **9:54**
